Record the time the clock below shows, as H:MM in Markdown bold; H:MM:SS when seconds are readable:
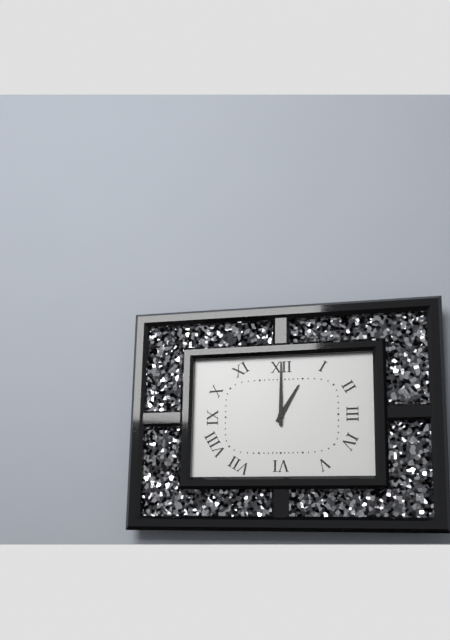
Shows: **1:00**
